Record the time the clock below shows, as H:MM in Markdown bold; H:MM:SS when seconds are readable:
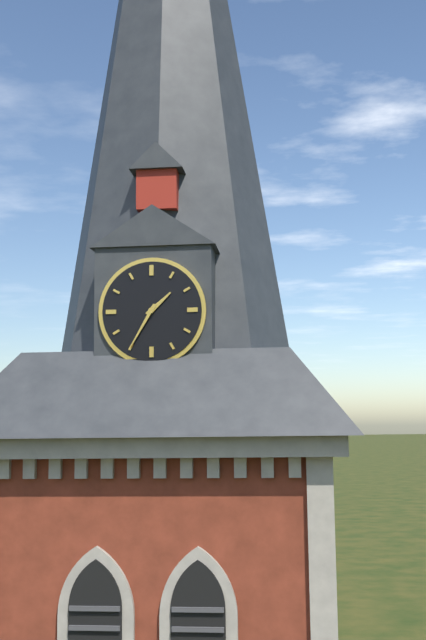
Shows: **1:35**
